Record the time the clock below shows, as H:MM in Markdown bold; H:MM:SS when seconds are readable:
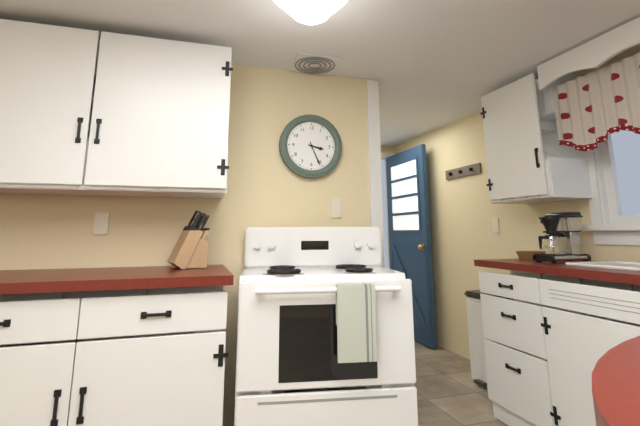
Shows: **3:26**
